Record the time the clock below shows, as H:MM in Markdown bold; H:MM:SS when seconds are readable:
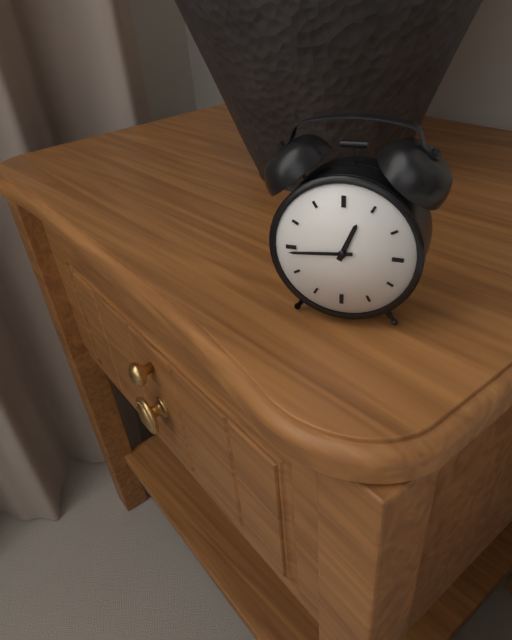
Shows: **12:44**
